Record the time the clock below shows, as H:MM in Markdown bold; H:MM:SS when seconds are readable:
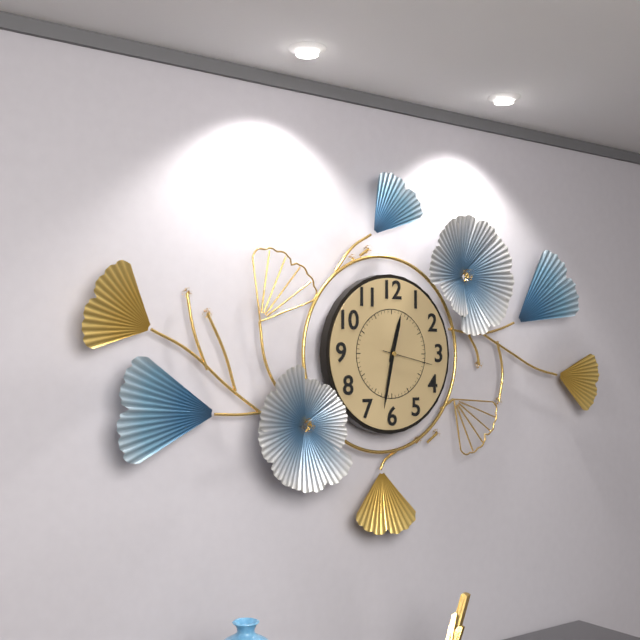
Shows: **12:32**
